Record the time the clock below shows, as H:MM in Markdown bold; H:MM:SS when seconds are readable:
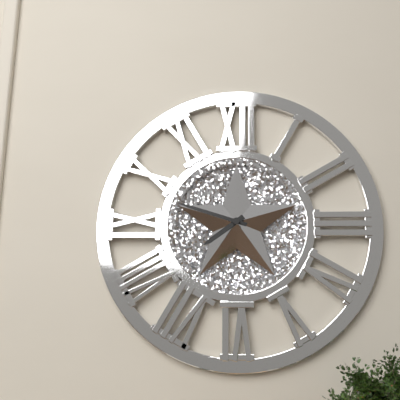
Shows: **7:48**
